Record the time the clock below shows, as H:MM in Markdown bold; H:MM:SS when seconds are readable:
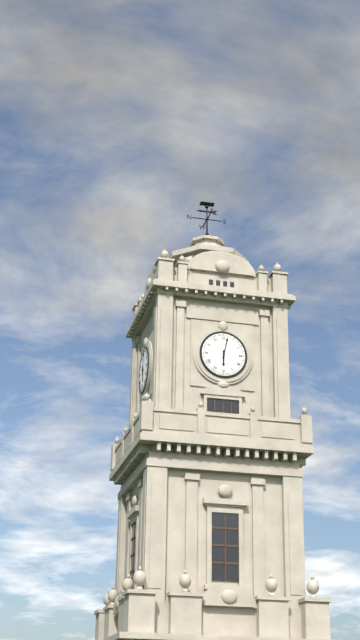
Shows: **6:02**
